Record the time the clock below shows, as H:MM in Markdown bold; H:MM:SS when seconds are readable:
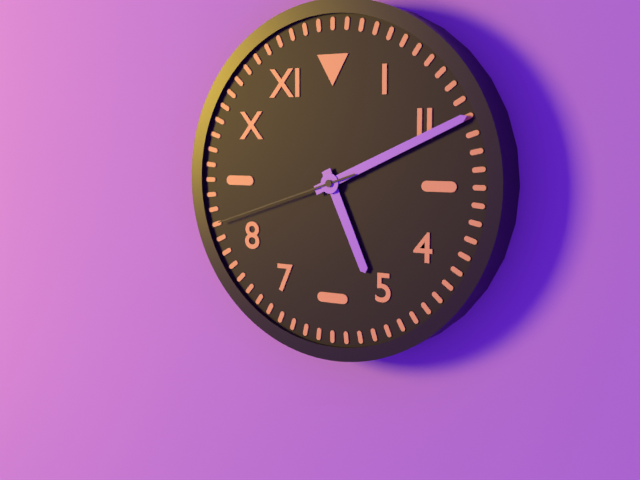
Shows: **5:11:42**
